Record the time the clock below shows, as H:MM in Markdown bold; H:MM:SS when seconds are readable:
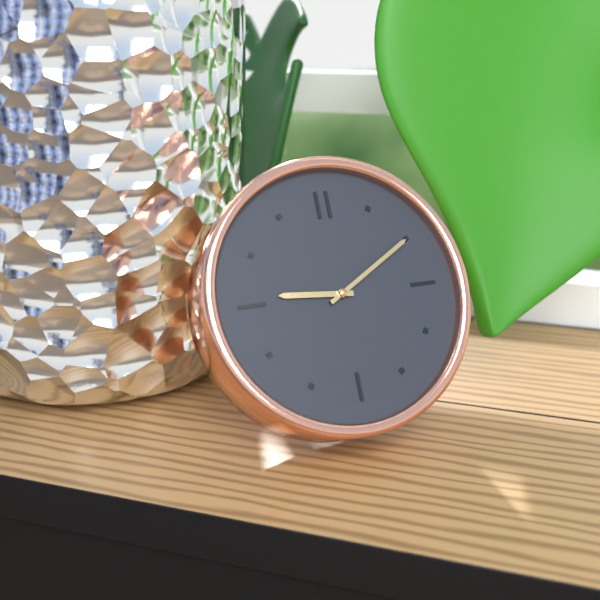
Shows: **9:10**
